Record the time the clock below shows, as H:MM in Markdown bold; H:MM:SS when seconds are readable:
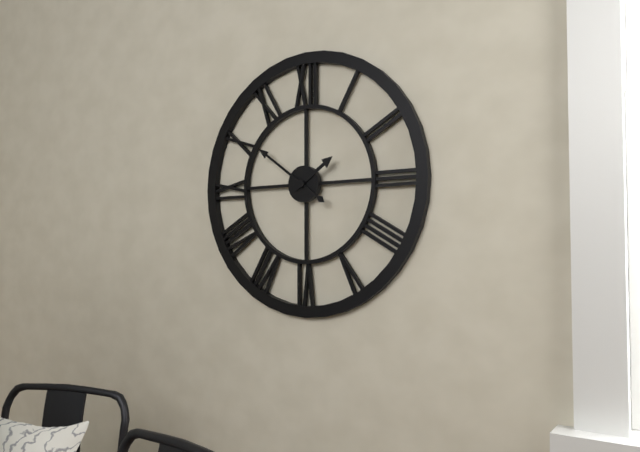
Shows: **1:51**
